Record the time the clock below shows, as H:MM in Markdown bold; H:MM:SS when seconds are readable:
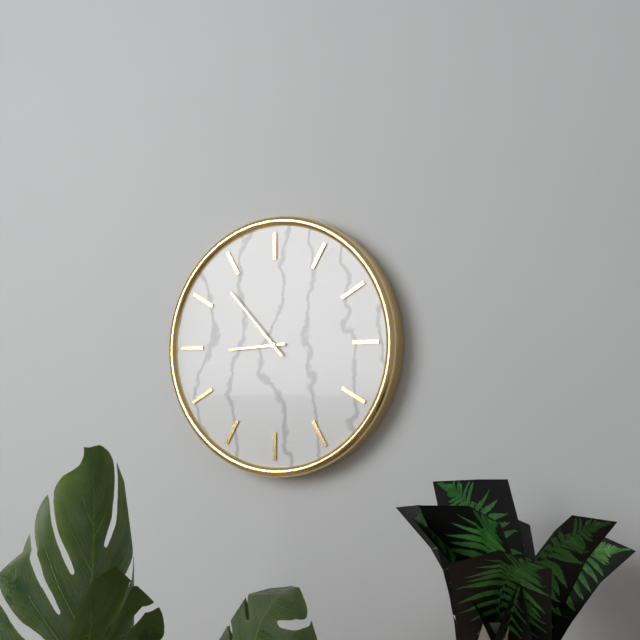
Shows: **8:53**
